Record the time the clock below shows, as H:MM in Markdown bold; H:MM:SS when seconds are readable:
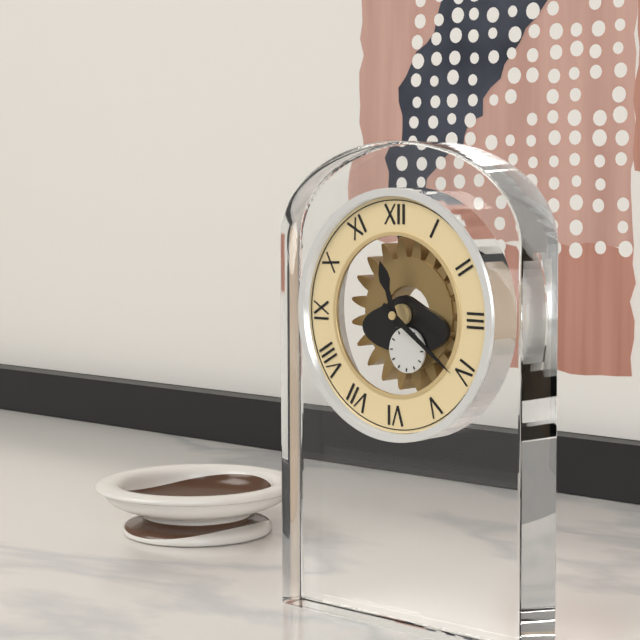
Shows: **11:21**
